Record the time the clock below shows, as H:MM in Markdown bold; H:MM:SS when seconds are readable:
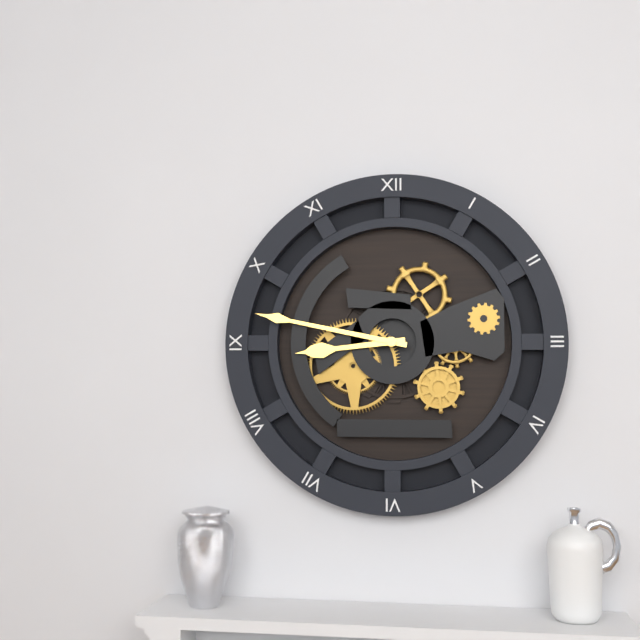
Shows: **8:47**
